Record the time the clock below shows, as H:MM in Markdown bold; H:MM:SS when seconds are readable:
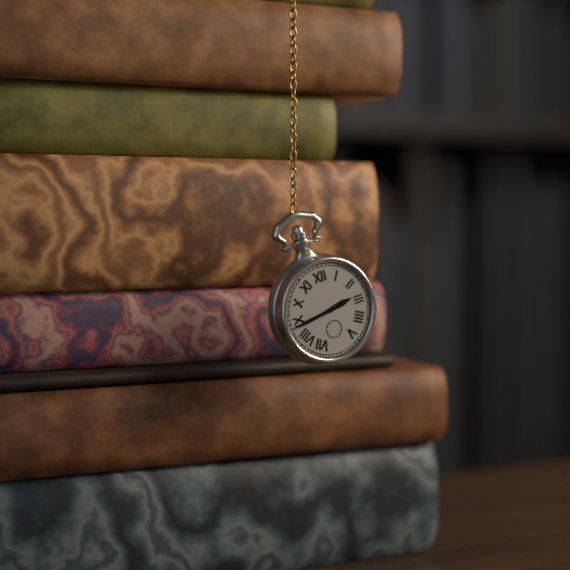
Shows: **2:44**
